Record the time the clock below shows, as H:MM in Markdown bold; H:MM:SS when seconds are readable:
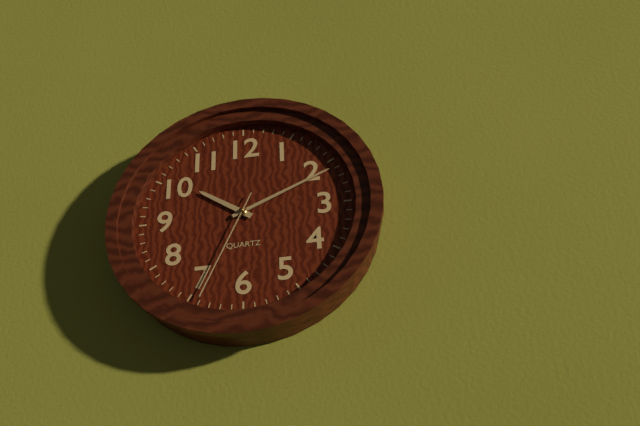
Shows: **10:11:34**
